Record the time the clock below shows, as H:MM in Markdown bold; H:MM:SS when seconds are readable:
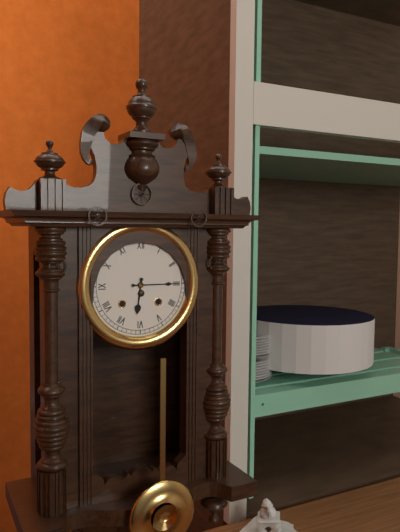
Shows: **6:15**
